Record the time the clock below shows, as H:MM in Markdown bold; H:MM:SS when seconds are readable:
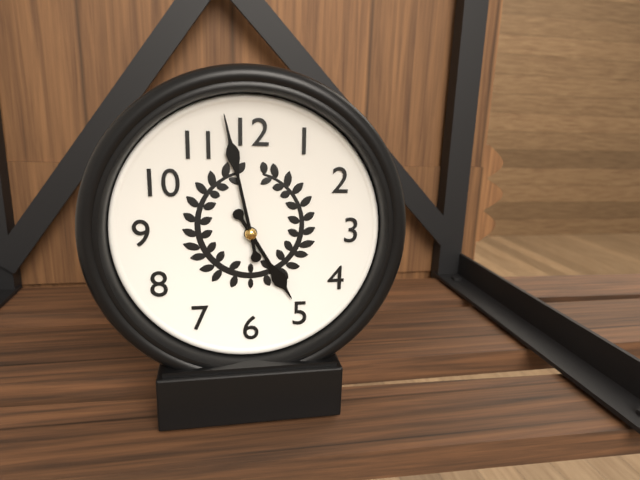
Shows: **4:58**
